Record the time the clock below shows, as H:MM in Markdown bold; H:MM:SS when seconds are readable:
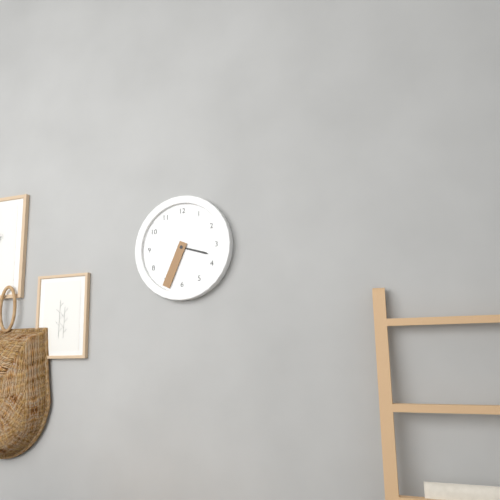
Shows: **3:34**
